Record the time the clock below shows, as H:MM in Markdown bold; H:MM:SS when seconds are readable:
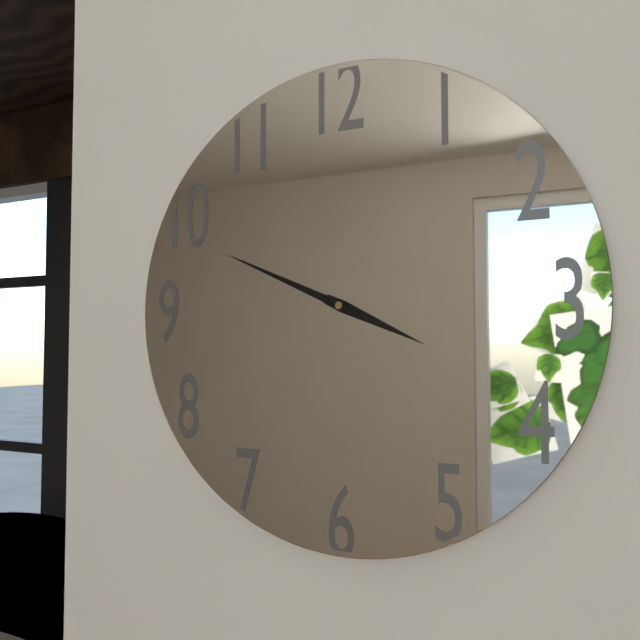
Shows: **3:49**
